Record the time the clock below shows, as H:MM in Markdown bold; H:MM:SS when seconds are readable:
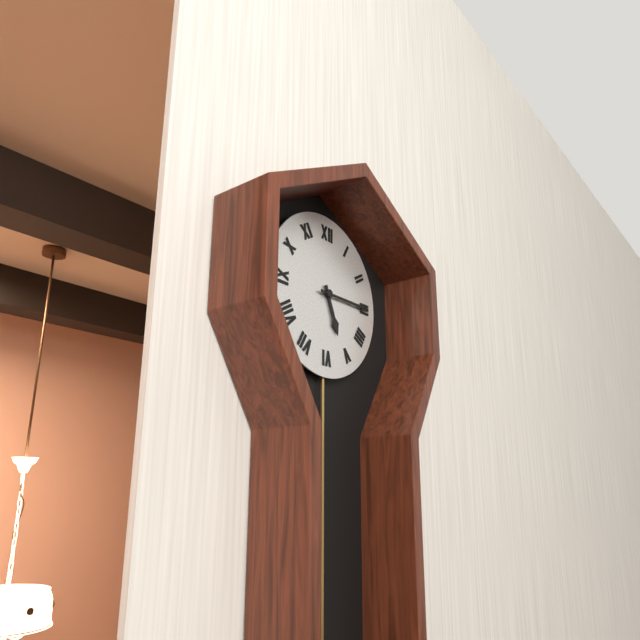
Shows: **5:15**
